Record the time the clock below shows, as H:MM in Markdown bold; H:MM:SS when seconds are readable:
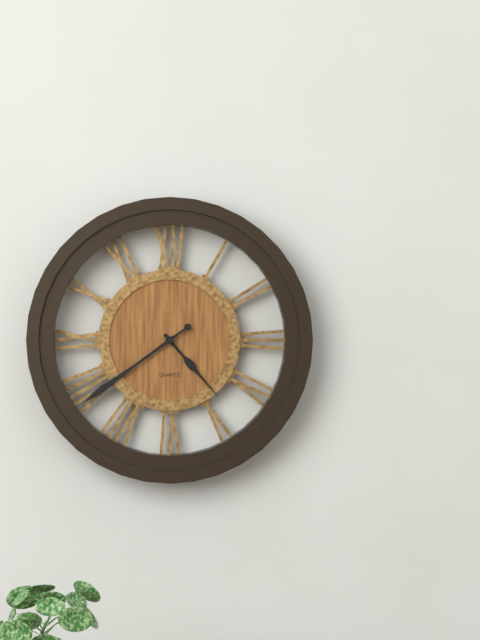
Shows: **4:39**
